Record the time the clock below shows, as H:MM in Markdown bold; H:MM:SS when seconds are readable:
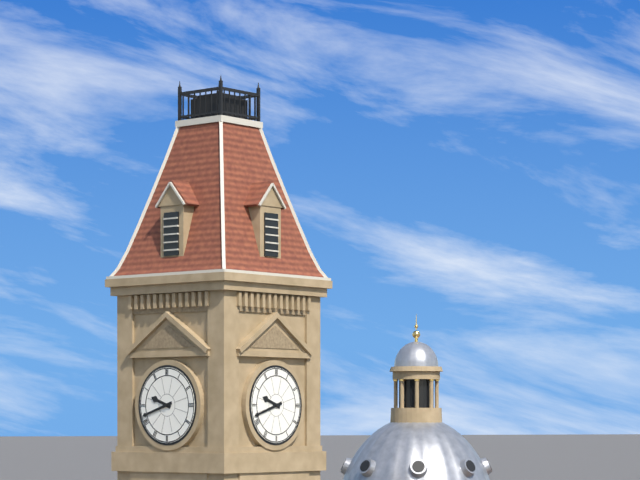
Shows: **9:42**
